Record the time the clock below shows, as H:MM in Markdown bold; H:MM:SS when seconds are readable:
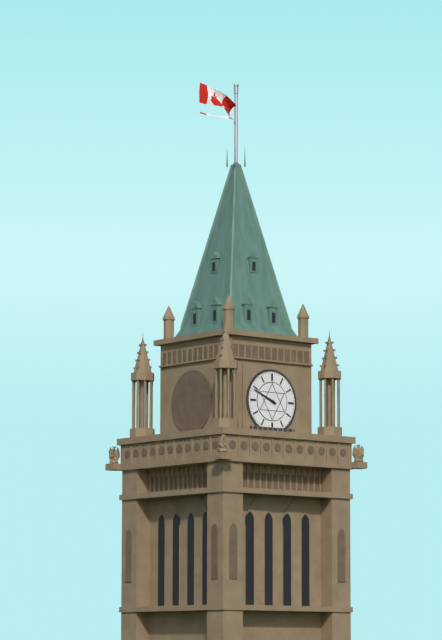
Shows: **9:49**
